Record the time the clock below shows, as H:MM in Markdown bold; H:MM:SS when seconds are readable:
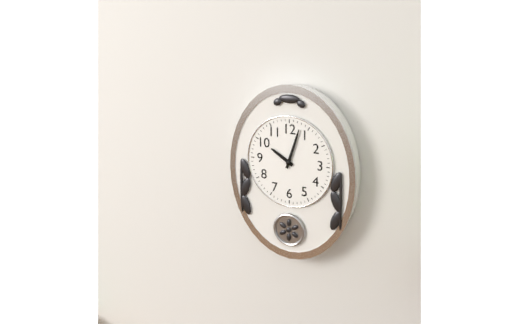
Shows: **10:03**
